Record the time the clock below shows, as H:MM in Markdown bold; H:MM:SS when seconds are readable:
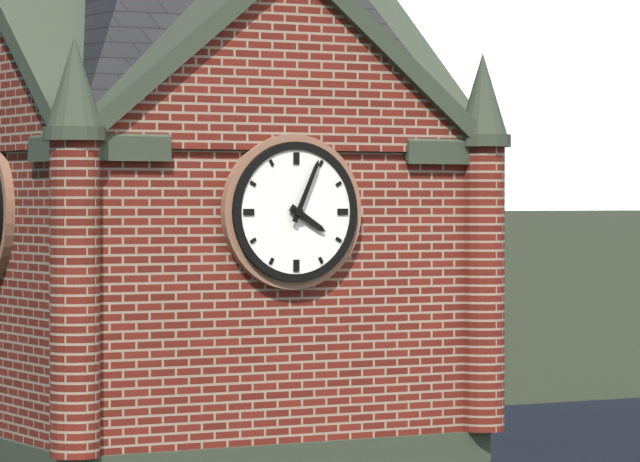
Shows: **4:04**
